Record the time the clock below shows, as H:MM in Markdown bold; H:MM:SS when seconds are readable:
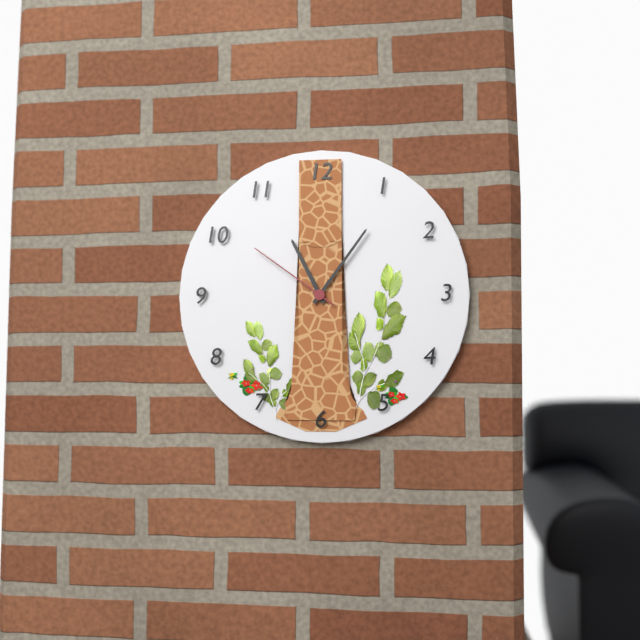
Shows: **11:06:51**
